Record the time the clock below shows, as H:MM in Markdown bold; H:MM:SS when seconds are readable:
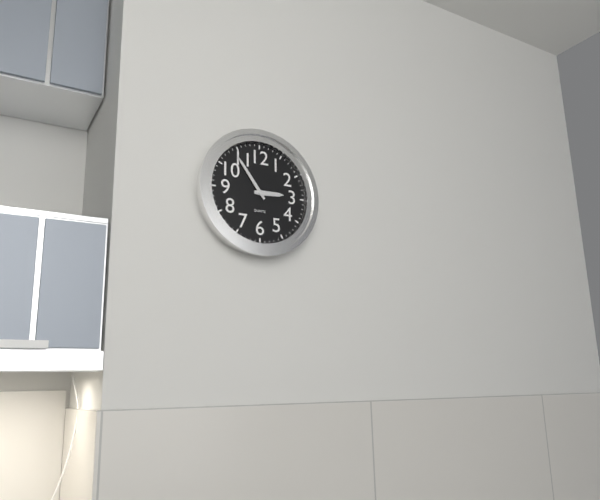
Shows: **2:54**
